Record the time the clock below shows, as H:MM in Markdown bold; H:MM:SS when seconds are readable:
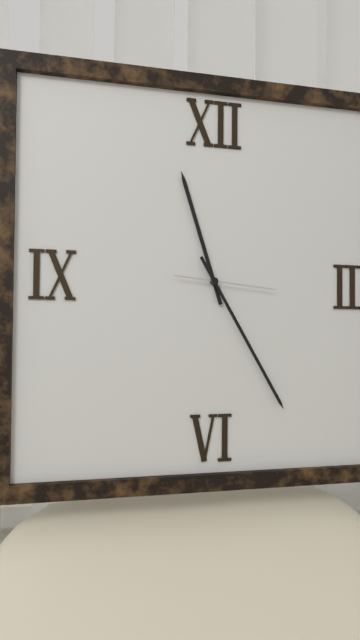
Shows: **11:25:16**
